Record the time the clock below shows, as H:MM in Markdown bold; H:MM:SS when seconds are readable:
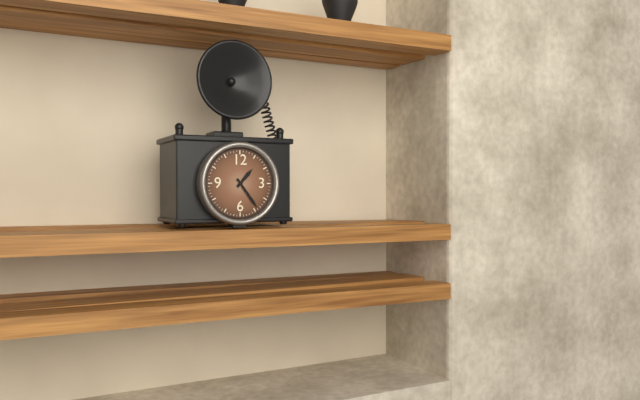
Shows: **1:24**
